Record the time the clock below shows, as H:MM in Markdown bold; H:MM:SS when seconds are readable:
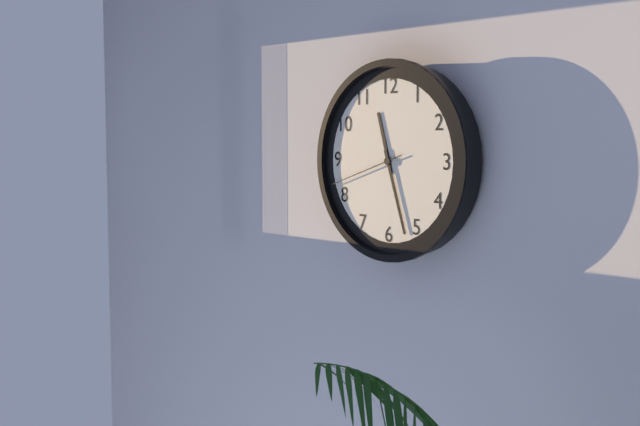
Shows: **11:27:42**
